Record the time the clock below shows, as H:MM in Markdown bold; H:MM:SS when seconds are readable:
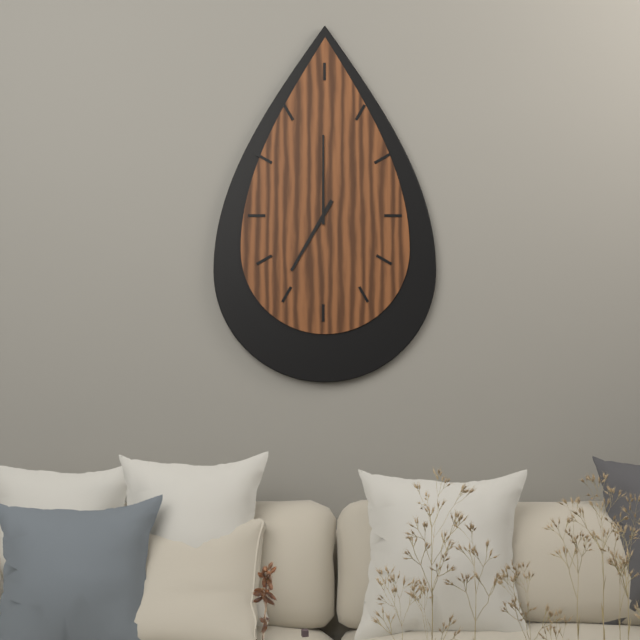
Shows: **7:00**
